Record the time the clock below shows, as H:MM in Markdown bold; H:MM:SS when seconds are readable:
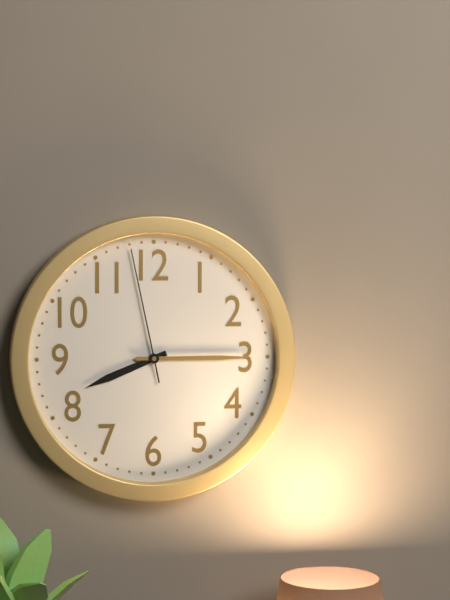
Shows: **8:15:58**
